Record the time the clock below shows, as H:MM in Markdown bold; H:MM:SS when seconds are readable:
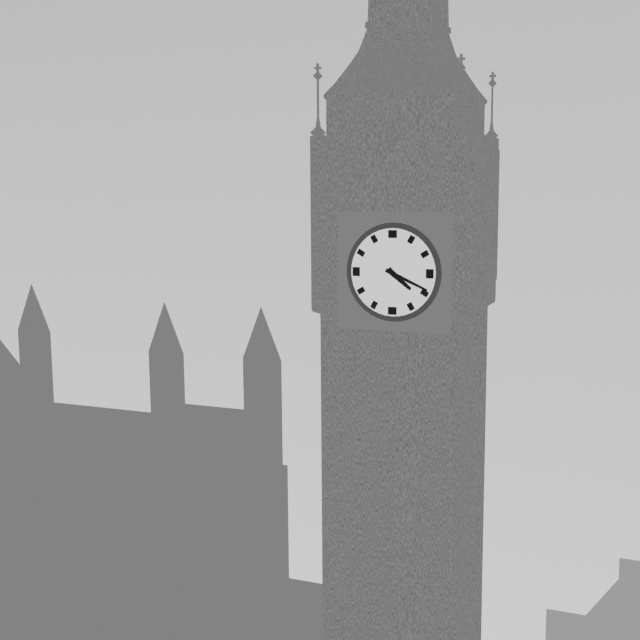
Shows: **4:19**
